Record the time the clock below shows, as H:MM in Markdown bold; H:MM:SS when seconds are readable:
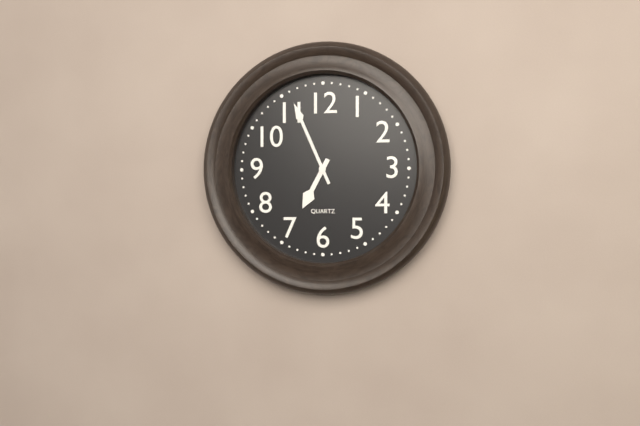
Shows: **6:56**
